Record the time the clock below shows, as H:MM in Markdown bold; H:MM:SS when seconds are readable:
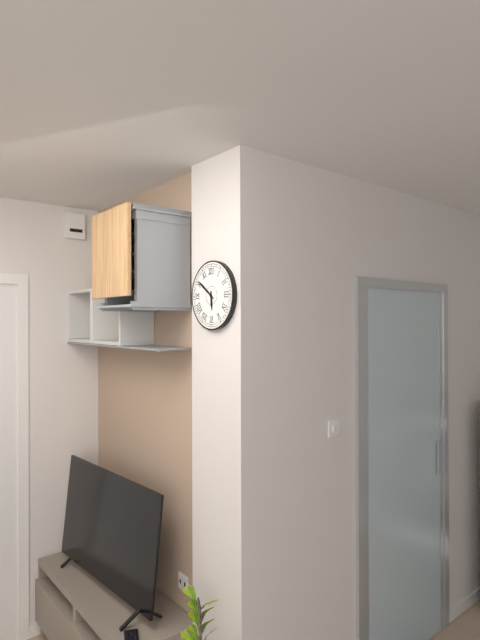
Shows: **5:51**
